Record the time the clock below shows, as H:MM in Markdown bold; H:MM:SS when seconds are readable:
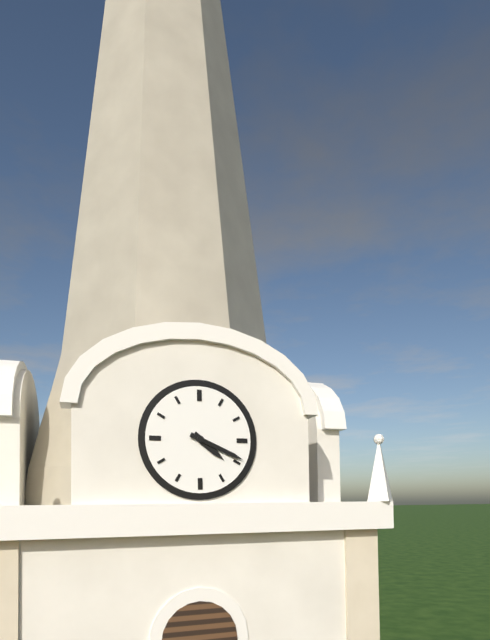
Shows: **4:19**
